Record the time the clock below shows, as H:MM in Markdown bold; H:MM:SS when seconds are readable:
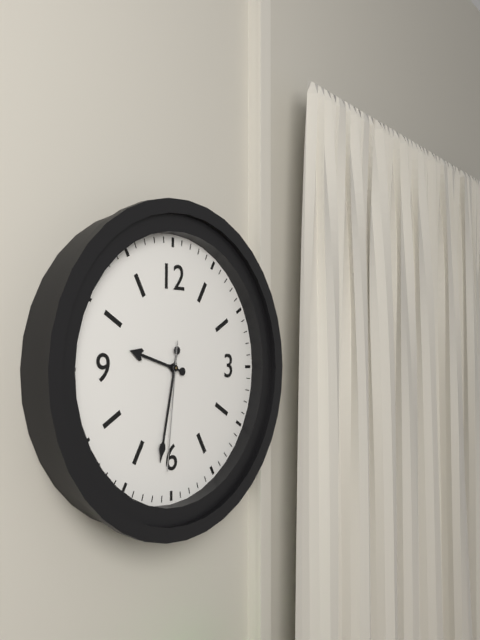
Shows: **9:32:31**
